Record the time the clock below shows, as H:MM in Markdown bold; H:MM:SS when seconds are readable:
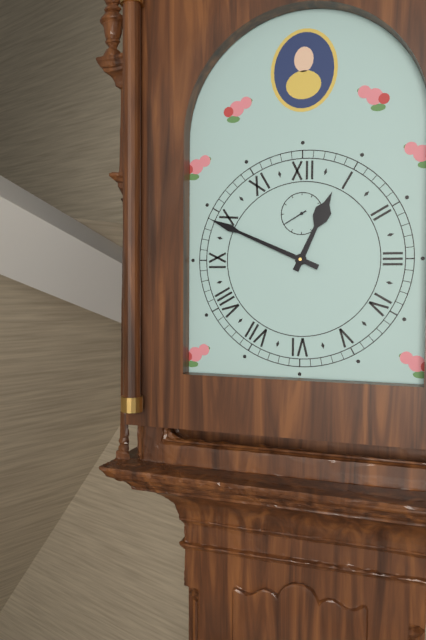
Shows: **12:49**
